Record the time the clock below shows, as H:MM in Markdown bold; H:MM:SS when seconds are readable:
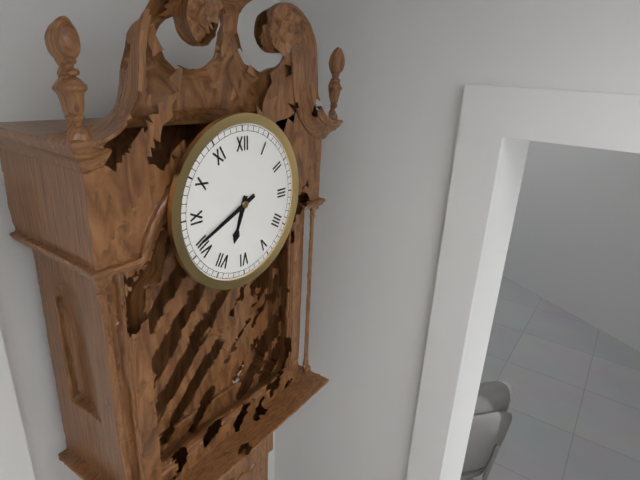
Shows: **6:41**
